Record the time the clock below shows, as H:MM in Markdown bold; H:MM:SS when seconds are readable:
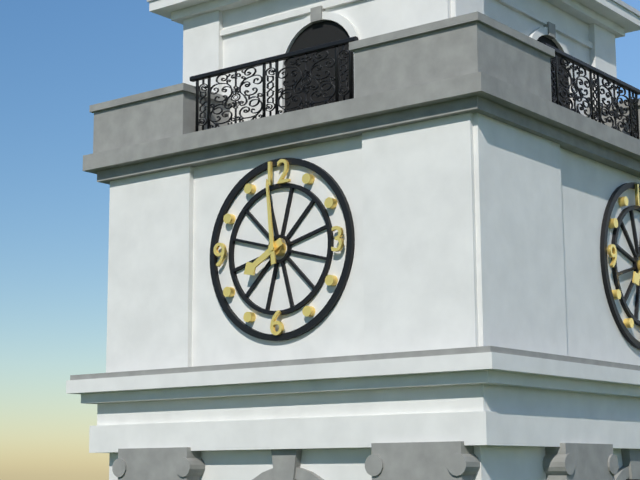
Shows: **7:59**
